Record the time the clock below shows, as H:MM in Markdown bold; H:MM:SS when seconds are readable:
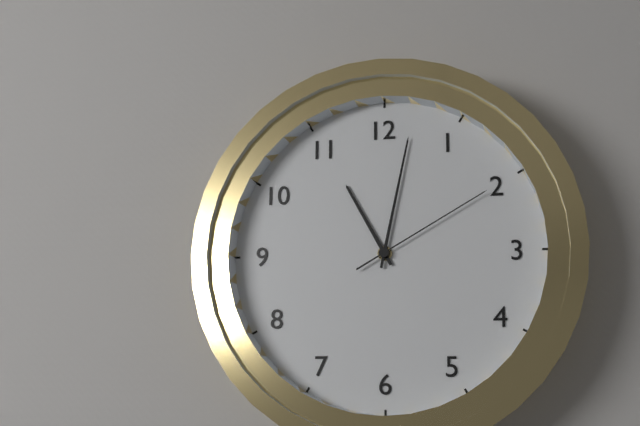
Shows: **11:02:10**
